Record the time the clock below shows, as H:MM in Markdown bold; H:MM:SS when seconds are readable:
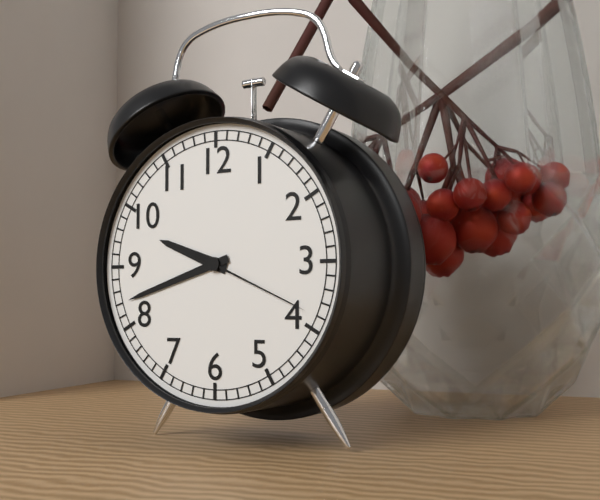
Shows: **9:42:19**
